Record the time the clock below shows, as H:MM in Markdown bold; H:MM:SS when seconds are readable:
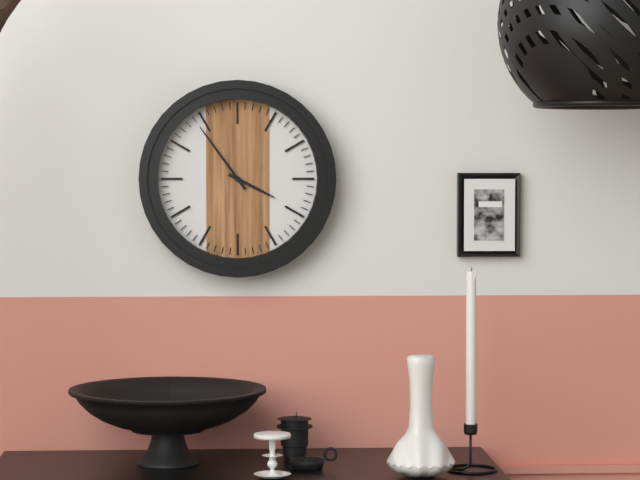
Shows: **3:54**
